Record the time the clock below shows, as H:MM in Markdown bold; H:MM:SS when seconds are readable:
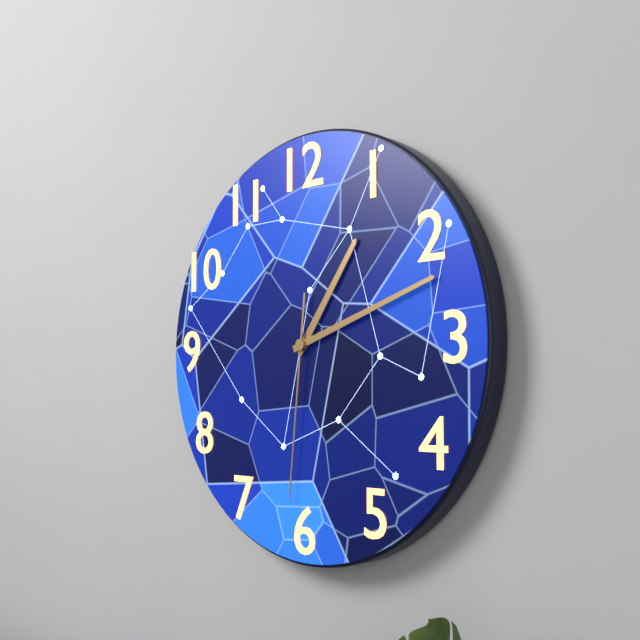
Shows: **1:12:31**
